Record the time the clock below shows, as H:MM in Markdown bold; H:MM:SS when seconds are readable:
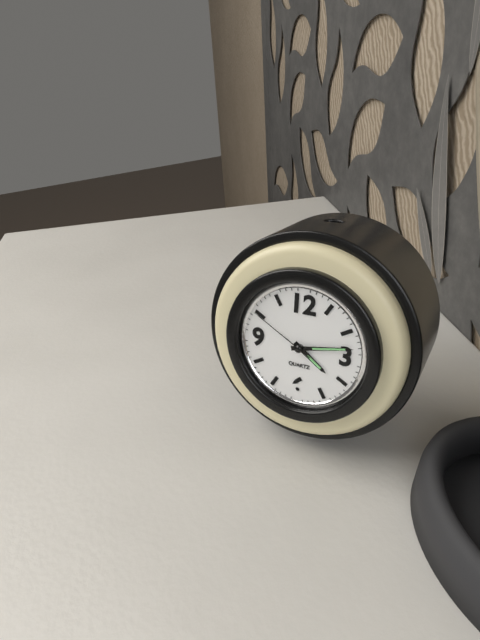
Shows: **4:13:50**
